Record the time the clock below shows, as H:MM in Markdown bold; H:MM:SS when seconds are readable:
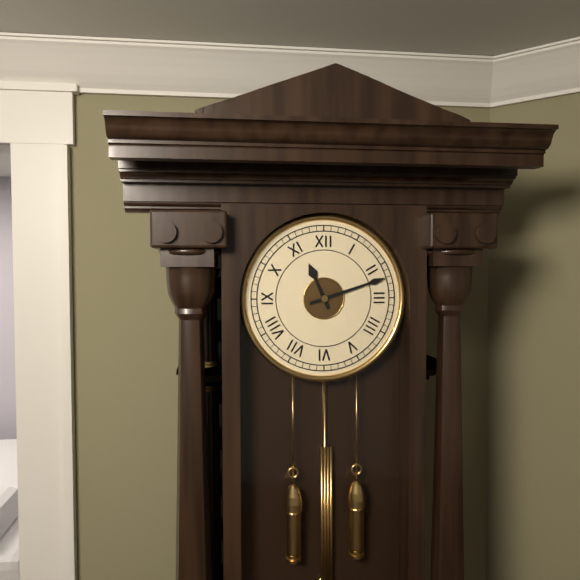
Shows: **11:12**
